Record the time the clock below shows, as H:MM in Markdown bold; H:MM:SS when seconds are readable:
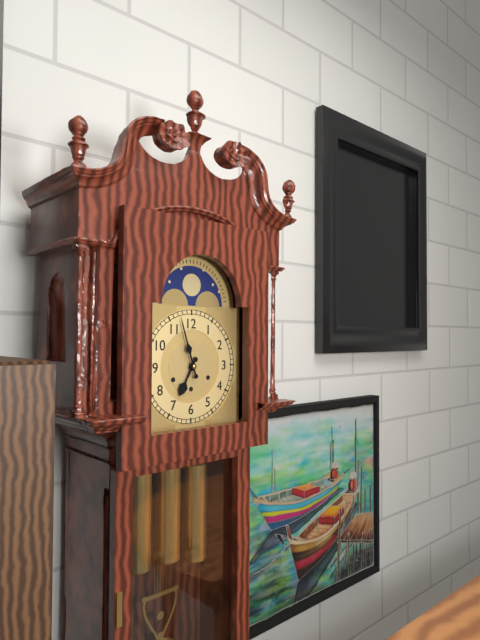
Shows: **6:57**
